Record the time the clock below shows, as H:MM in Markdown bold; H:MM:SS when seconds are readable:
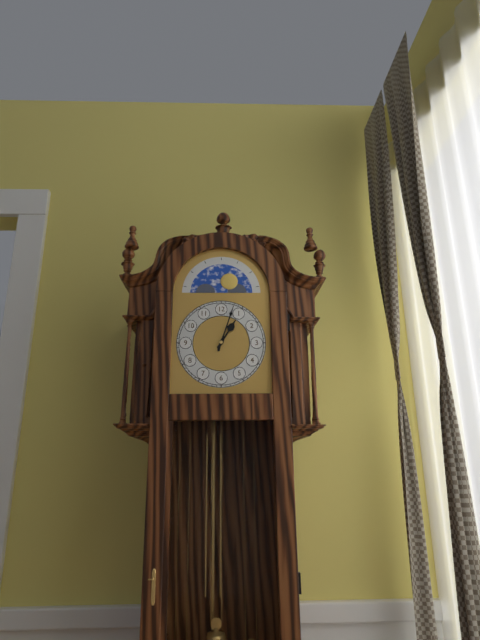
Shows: **1:03**
